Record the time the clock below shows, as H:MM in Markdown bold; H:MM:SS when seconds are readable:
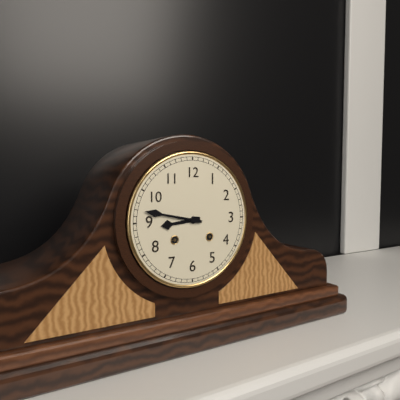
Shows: **8:47**
